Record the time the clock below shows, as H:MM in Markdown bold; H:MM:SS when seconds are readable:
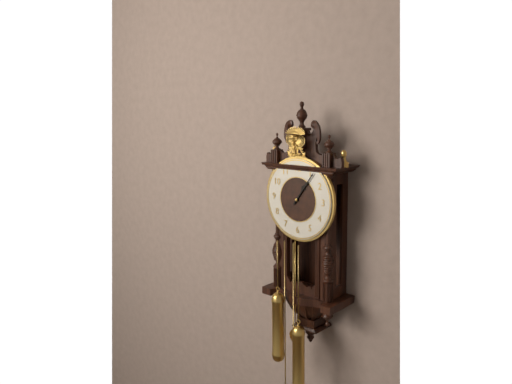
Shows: **1:06**
